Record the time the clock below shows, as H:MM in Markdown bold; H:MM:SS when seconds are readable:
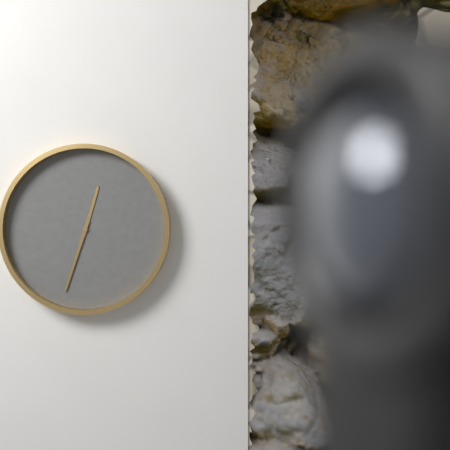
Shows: **12:33**
